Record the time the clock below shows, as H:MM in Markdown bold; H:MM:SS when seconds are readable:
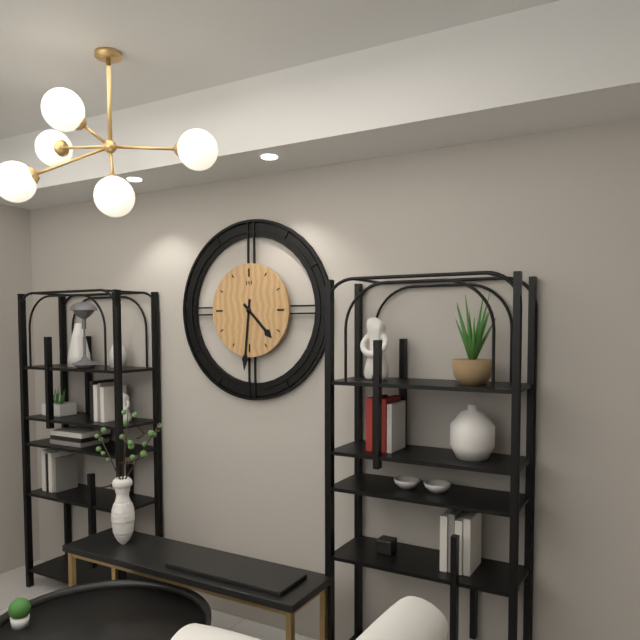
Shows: **4:31**
